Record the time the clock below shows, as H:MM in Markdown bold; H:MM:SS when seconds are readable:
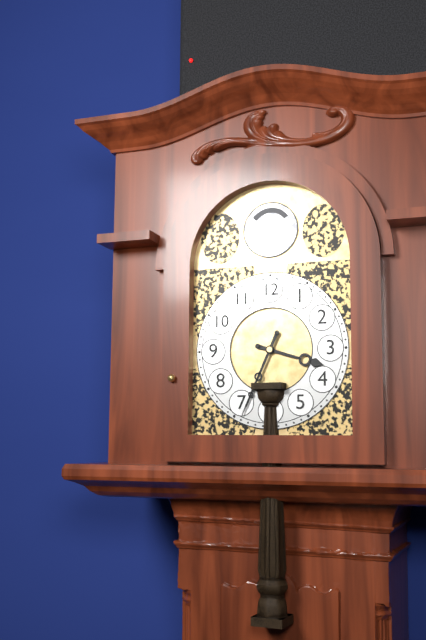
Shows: **3:34**
